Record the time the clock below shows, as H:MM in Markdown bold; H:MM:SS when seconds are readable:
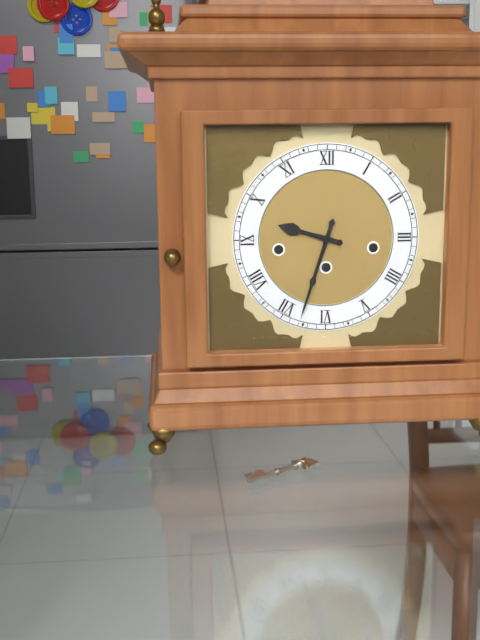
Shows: **9:33**
